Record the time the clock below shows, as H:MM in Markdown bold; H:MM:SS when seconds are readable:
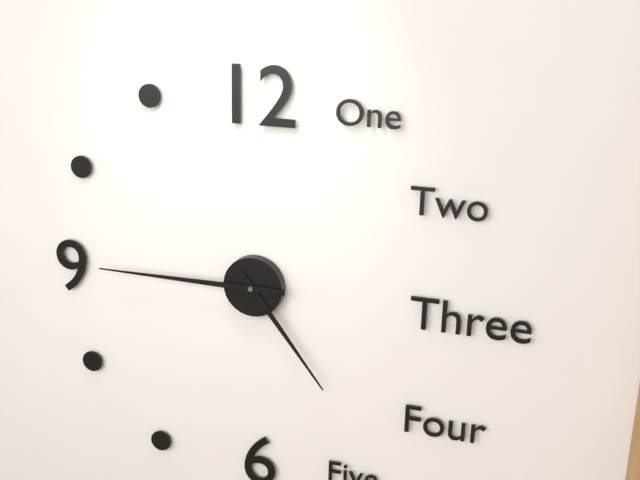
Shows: **4:45**
